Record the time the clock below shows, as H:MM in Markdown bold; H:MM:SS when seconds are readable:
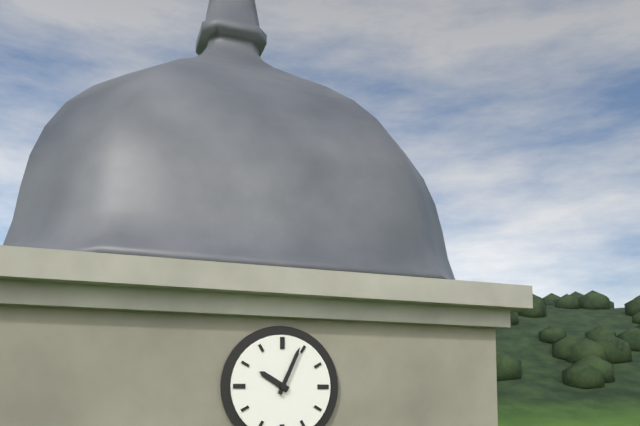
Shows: **10:04**
